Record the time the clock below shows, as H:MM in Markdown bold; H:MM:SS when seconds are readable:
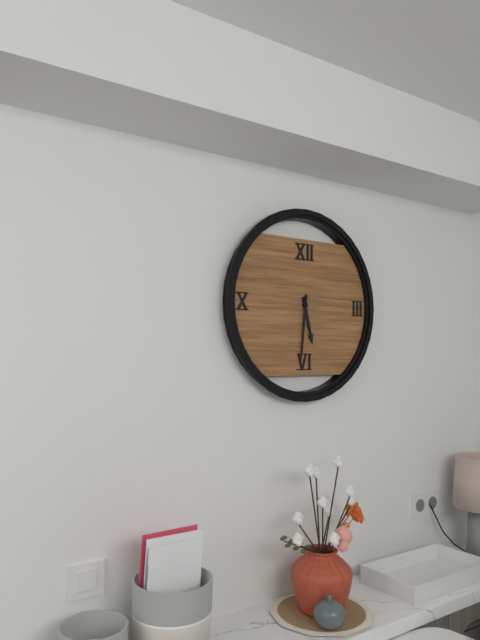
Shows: **5:31**
